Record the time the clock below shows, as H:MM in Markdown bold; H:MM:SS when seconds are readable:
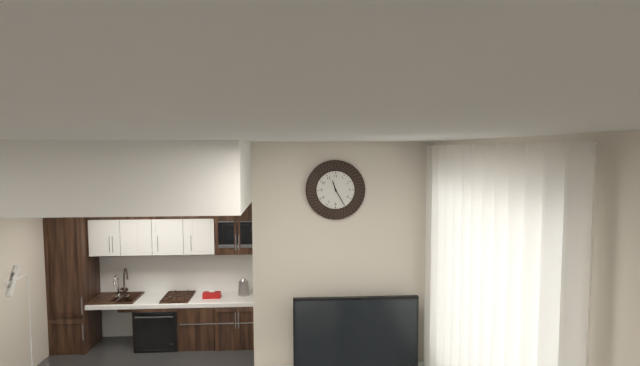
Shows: **11:25**
